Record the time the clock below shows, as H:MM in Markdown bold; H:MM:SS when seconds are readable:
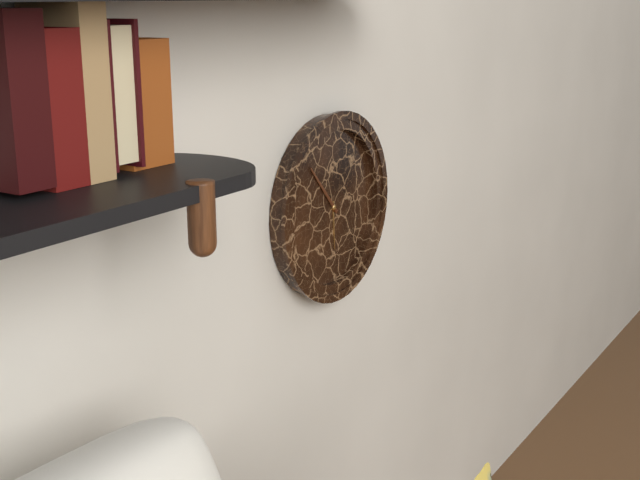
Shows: **5:53**
